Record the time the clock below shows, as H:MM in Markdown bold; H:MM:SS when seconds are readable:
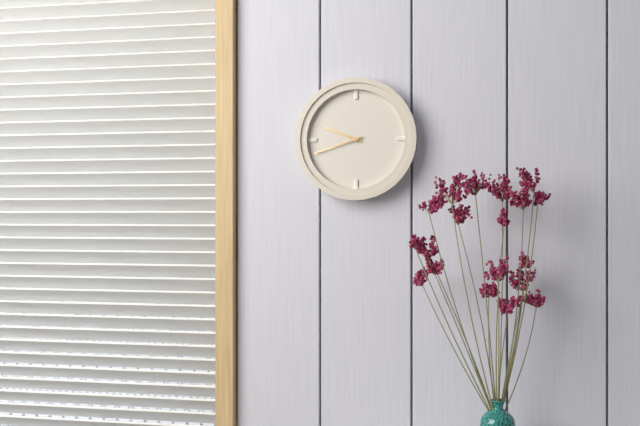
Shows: **9:42**
